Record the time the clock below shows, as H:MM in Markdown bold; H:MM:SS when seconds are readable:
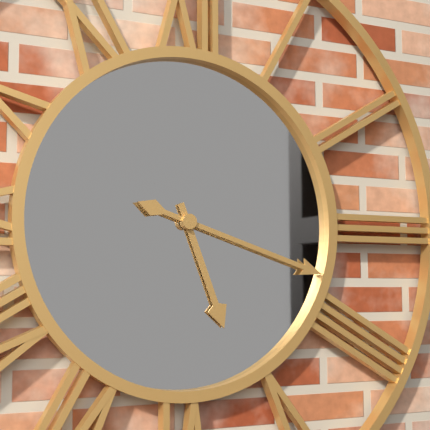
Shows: **5:18**
